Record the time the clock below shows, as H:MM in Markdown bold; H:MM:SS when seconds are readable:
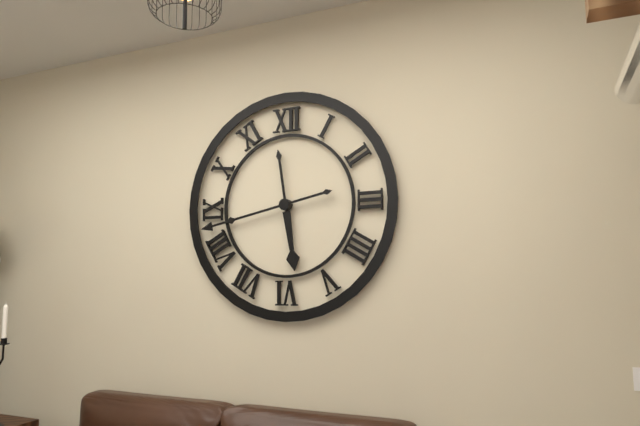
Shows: **5:43**
